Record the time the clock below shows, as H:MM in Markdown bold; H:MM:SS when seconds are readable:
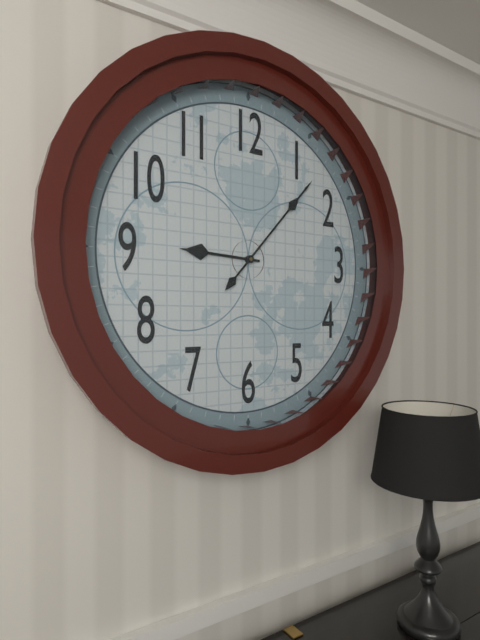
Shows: **9:07**
